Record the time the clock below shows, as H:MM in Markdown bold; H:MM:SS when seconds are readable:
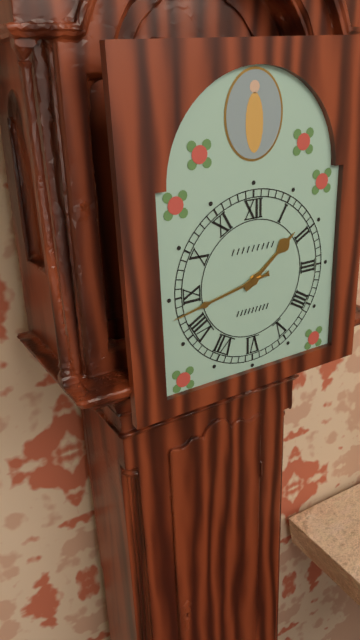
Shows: **1:43**
